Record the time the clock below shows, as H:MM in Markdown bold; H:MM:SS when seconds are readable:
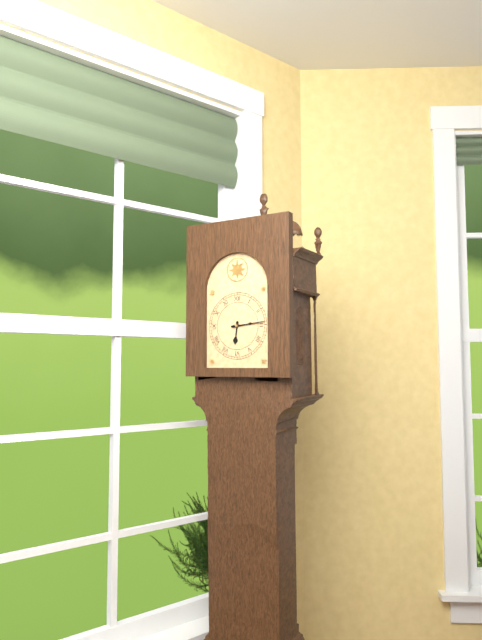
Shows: **6:14**
